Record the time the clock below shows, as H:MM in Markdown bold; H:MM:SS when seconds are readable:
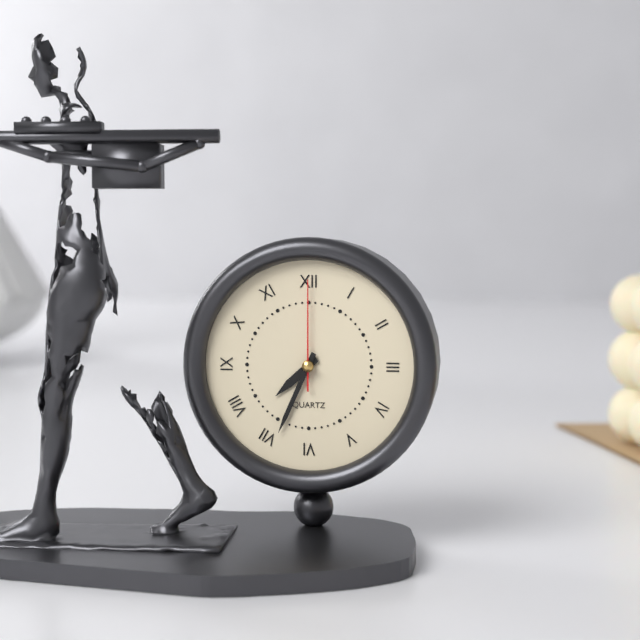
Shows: **7:34:00**
